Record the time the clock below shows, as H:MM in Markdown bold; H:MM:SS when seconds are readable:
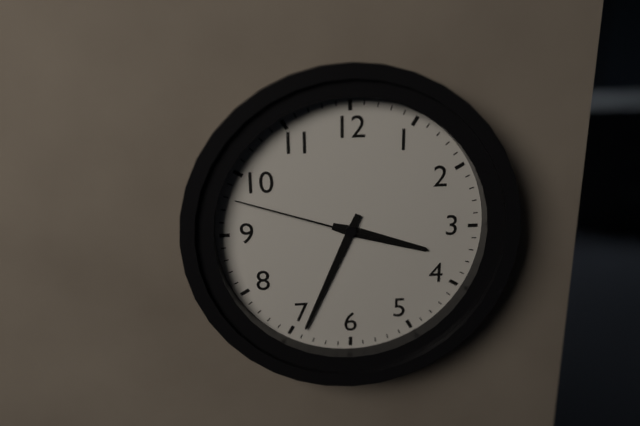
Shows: **3:34:48**
